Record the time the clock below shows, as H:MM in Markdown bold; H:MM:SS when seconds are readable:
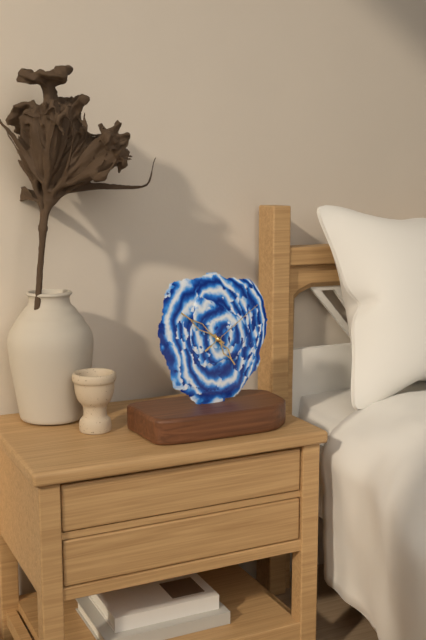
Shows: **4:51:09**
